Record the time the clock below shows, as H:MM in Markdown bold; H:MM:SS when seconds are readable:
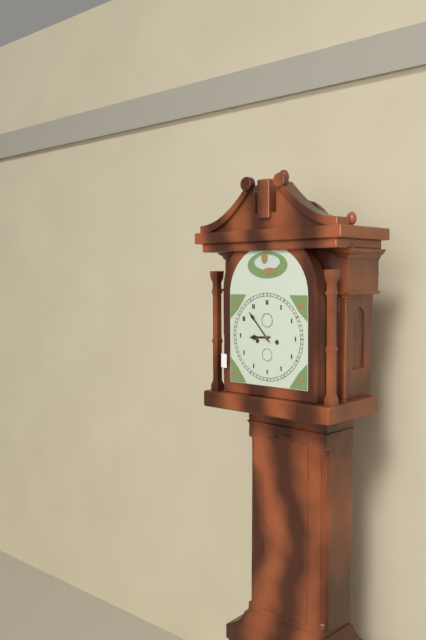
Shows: **8:53**
